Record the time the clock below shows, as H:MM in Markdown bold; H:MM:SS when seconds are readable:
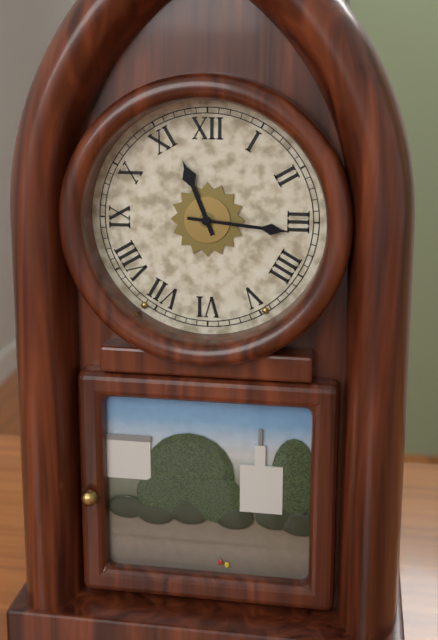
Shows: **11:16**
